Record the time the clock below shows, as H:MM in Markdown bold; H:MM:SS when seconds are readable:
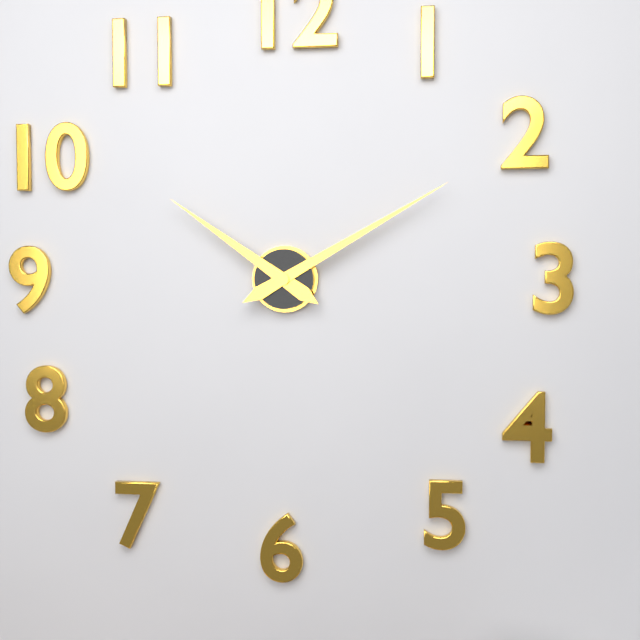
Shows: **10:10**
